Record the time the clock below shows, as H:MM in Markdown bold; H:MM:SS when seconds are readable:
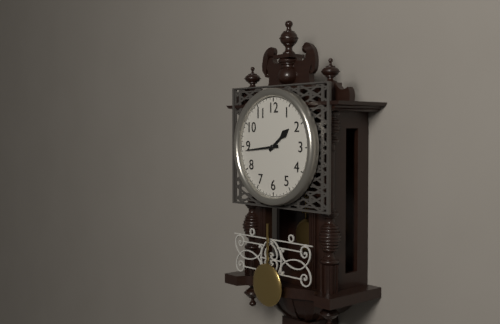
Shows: **1:44**
